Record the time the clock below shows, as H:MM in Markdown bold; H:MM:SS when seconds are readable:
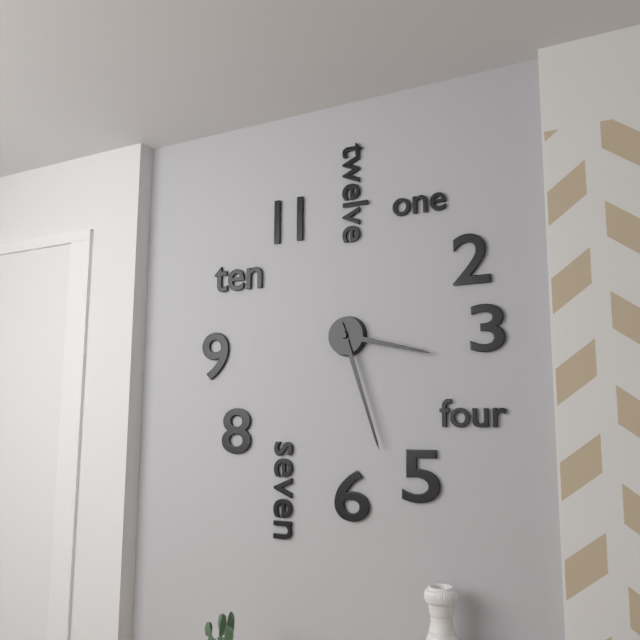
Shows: **3:27**
